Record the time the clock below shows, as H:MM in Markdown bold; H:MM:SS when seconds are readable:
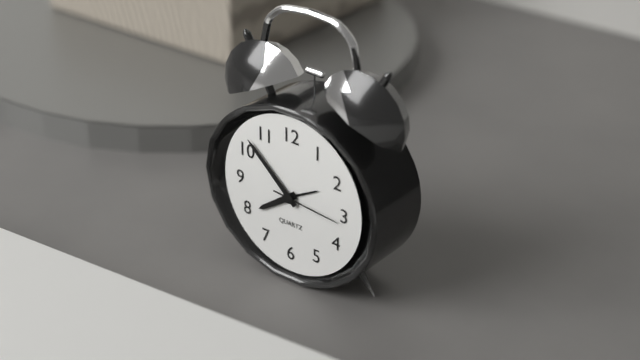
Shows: **7:52:16**
